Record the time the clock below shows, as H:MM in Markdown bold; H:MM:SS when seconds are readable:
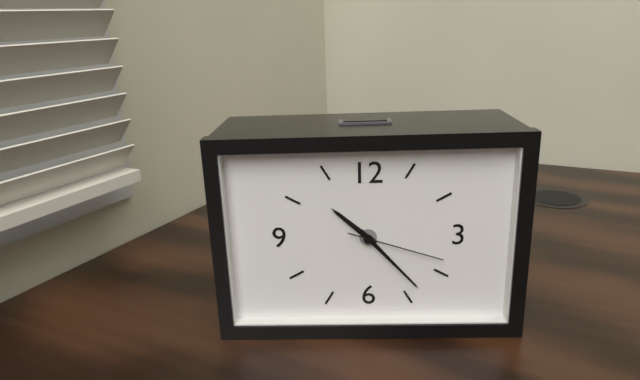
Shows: **10:23:18**
